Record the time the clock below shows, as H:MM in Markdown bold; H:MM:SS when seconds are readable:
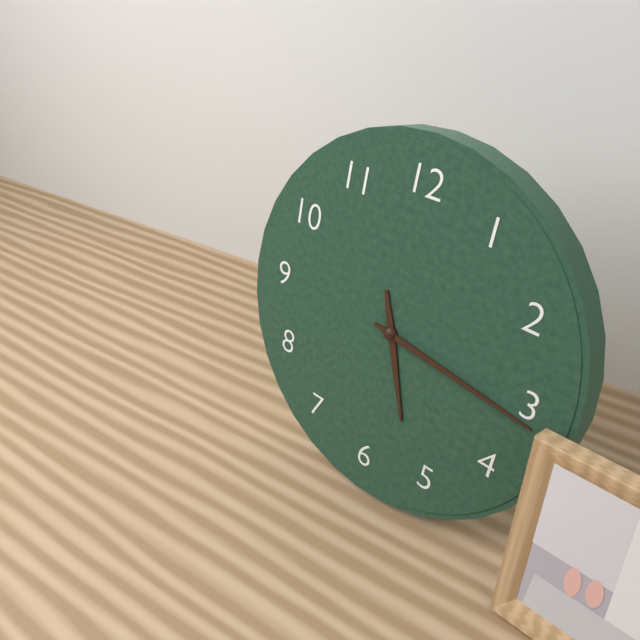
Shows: **5:16**
